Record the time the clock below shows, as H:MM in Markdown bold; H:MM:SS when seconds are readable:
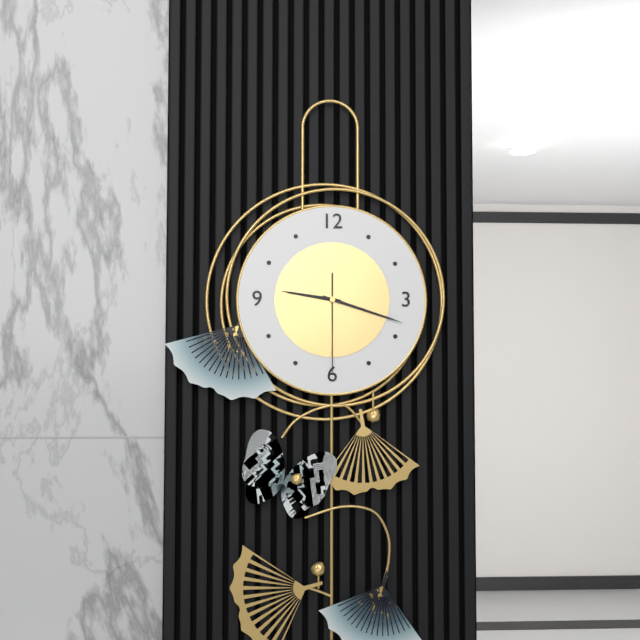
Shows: **9:18:30**
